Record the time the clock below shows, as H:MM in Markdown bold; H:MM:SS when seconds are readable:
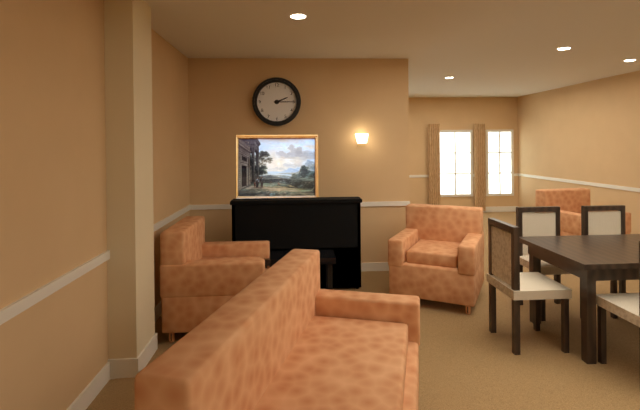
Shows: **2:15**
